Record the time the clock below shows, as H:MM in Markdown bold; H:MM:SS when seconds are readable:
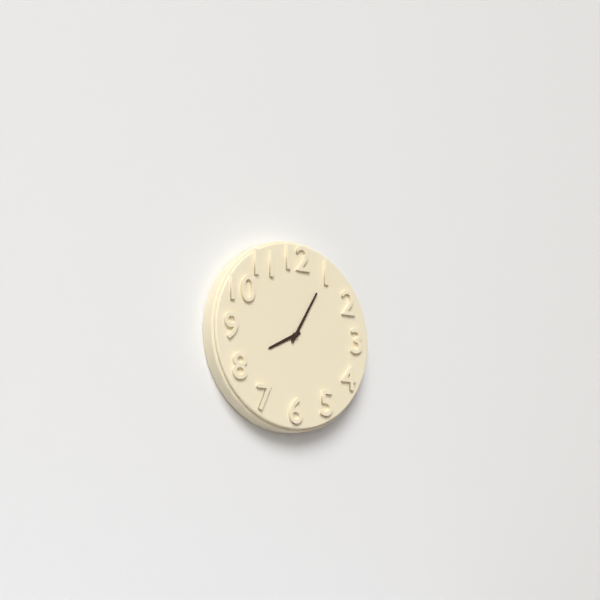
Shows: **8:05**
